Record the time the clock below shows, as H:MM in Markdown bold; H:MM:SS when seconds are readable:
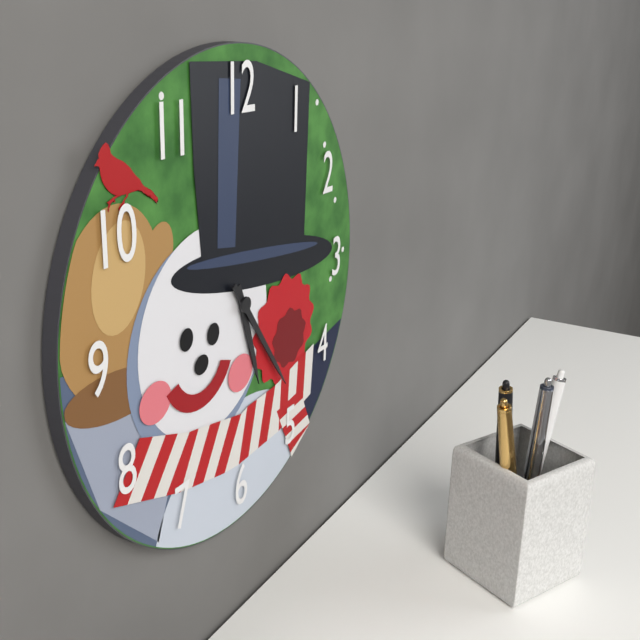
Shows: **5:24**
